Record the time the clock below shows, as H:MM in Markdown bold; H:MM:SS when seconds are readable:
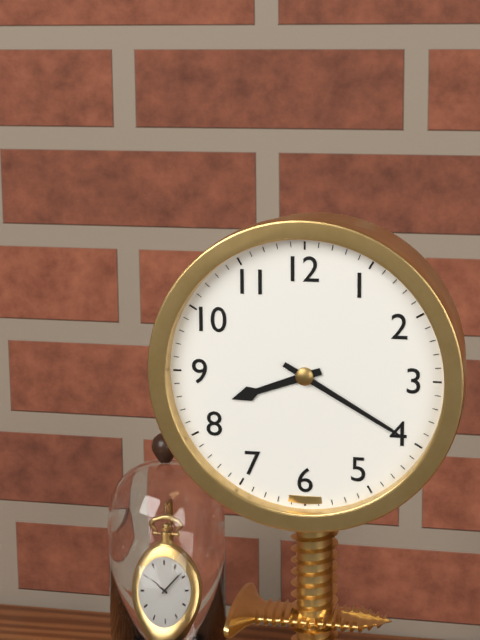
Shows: **8:20**
